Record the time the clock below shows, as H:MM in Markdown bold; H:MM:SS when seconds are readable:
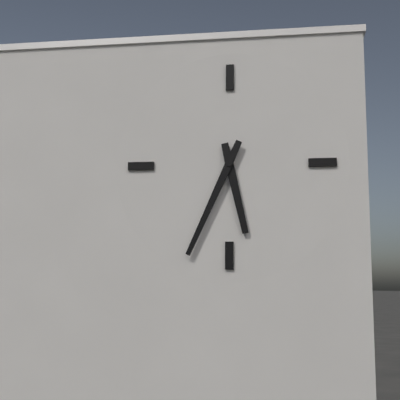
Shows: **5:34**
